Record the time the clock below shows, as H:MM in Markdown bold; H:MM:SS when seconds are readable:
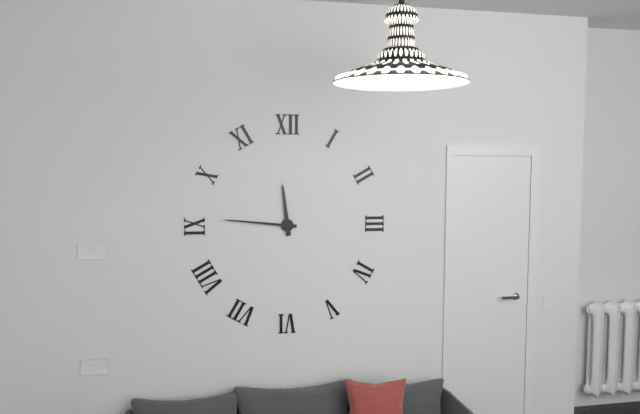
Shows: **11:46**
